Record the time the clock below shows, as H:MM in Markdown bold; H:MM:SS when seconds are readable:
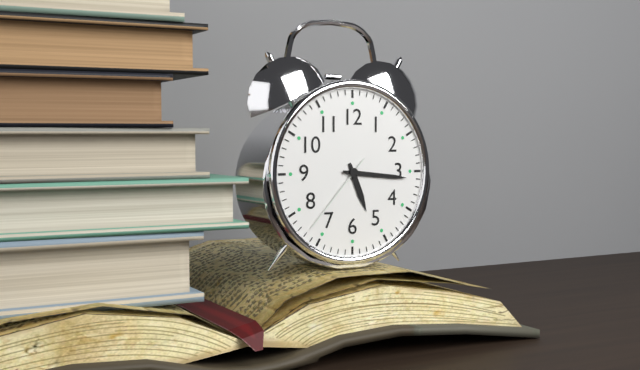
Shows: **5:16:37**
